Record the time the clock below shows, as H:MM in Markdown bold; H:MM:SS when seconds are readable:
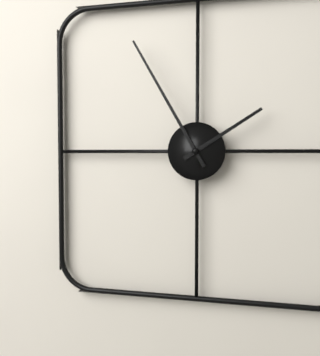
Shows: **1:55**
